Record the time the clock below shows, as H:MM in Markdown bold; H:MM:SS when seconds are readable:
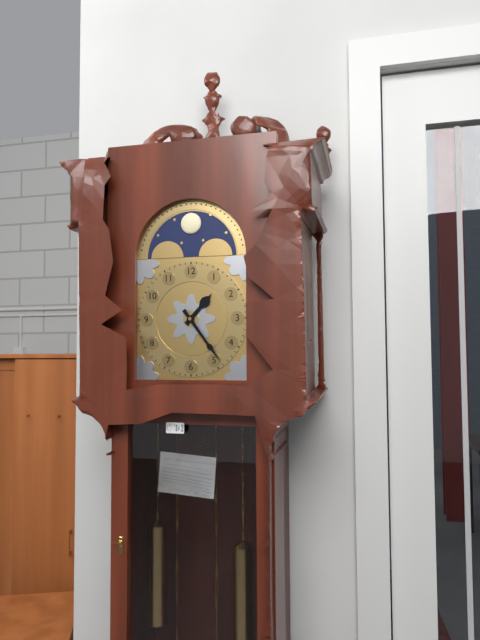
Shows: **1:24**
